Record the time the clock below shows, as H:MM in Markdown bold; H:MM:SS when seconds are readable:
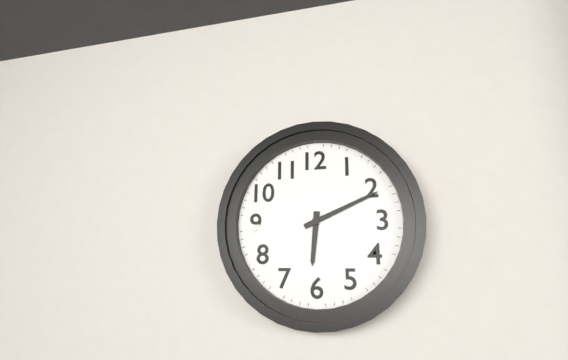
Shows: **6:11**
